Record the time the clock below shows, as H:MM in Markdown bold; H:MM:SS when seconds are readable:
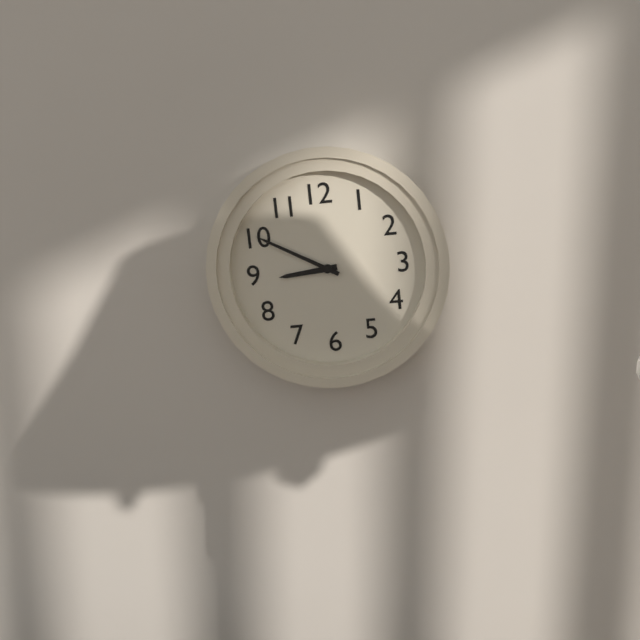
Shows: **8:50**
